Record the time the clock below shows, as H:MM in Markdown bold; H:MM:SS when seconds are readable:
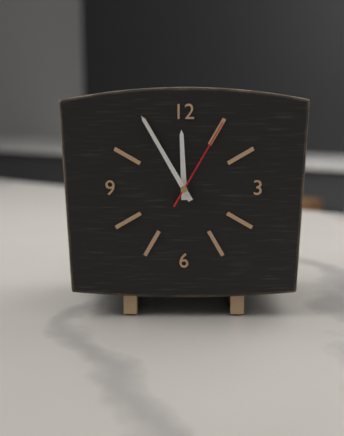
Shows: **11:55:05**
